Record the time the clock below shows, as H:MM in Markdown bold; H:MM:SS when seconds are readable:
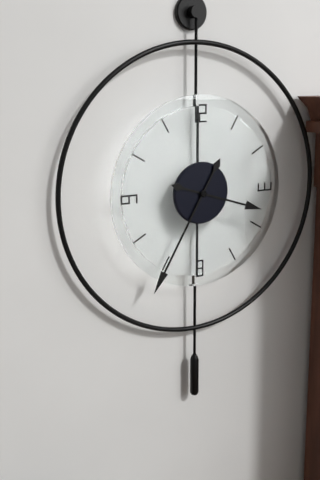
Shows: **3:35**
